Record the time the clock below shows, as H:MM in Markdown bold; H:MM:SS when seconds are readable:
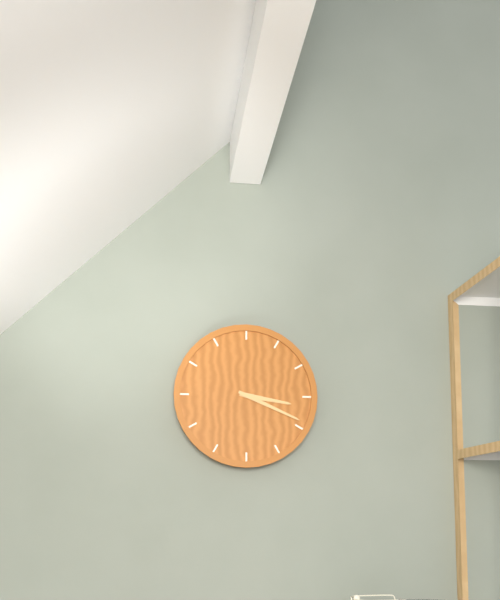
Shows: **3:19**
